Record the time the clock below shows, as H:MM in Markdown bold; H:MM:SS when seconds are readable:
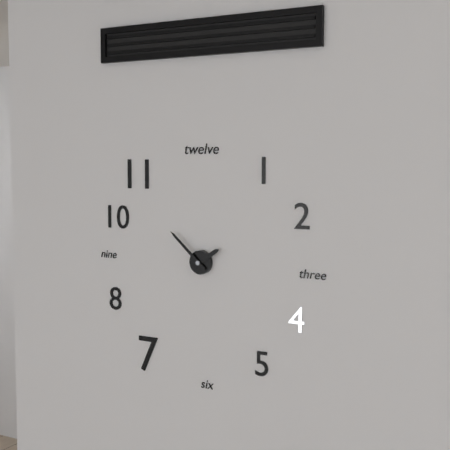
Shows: **1:52**
